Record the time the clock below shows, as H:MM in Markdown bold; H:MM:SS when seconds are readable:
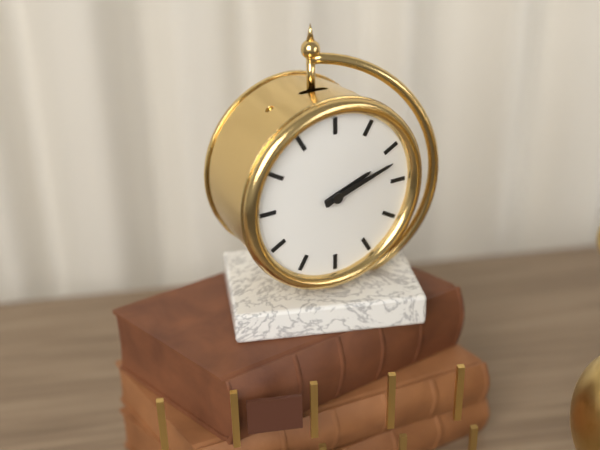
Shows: **2:12**
